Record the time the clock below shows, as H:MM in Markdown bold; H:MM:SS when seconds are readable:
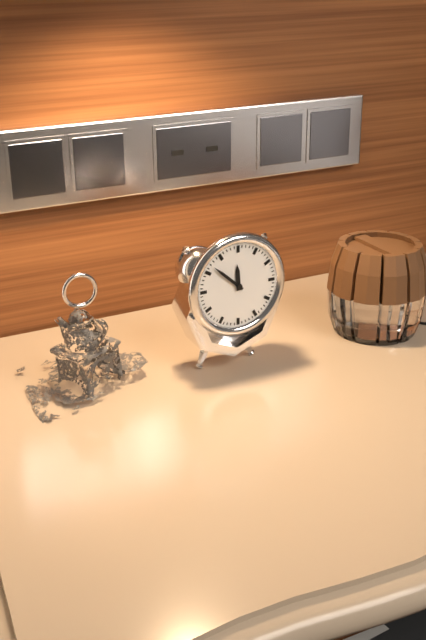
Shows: **11:52**
